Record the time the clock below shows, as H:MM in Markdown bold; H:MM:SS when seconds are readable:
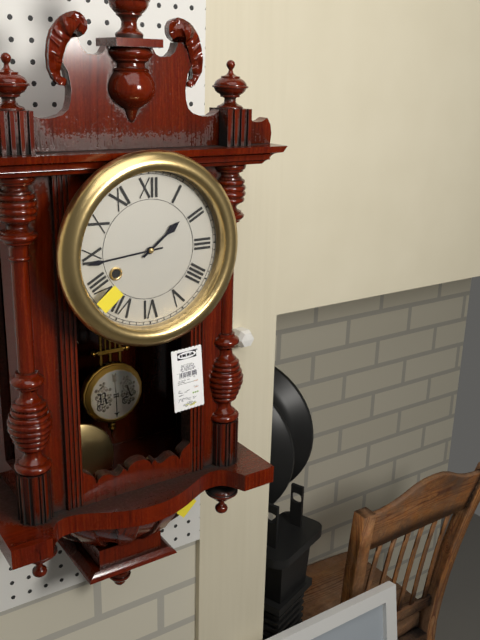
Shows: **1:44**
